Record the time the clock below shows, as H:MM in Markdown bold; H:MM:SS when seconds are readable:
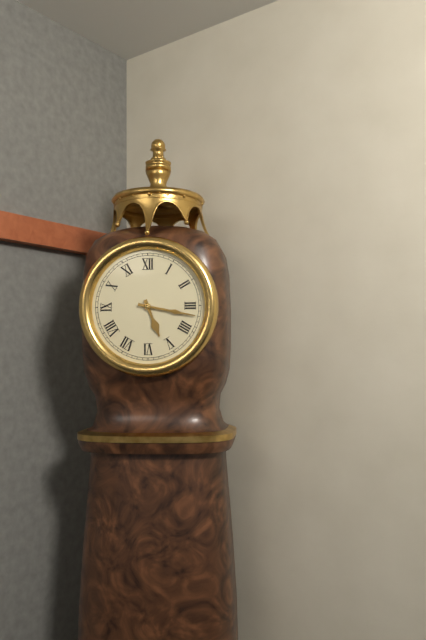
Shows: **5:17**
